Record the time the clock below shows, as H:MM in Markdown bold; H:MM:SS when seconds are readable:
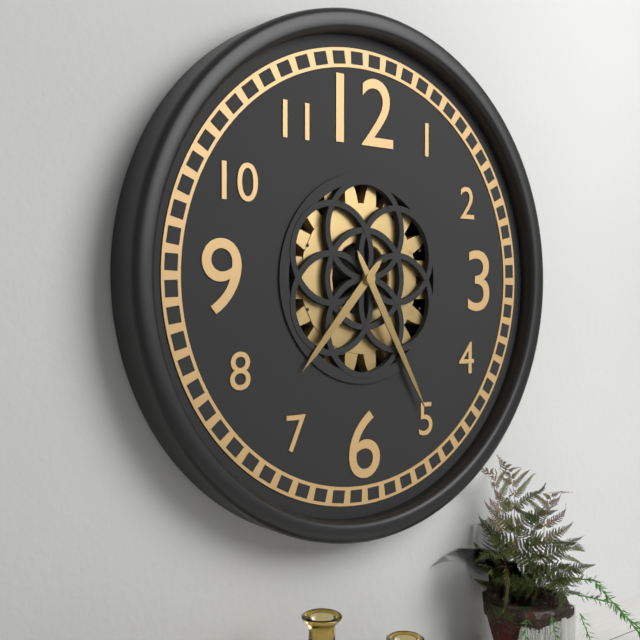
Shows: **7:25**
